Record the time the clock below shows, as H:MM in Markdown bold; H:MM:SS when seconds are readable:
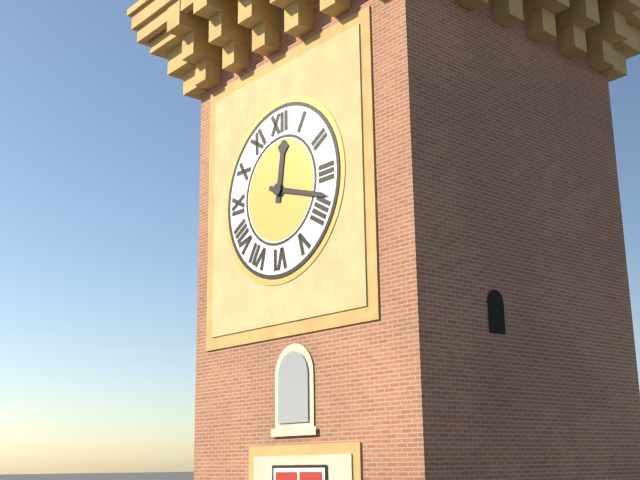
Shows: **12:18**
